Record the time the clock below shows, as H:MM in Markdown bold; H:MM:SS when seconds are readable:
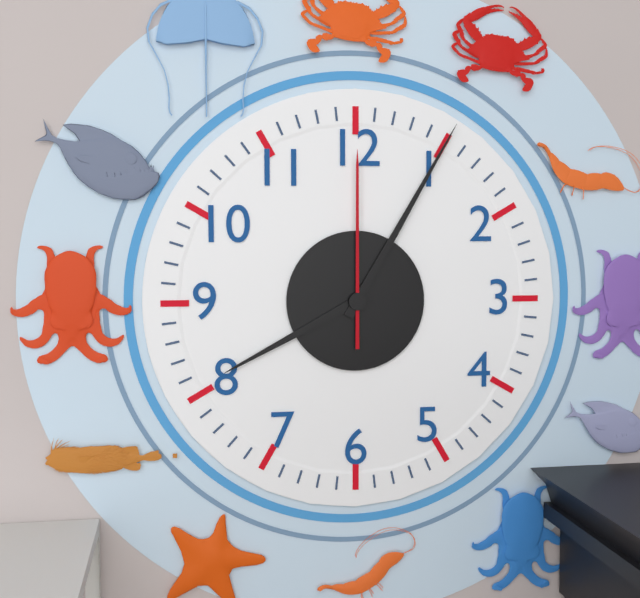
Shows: **8:05:00**
